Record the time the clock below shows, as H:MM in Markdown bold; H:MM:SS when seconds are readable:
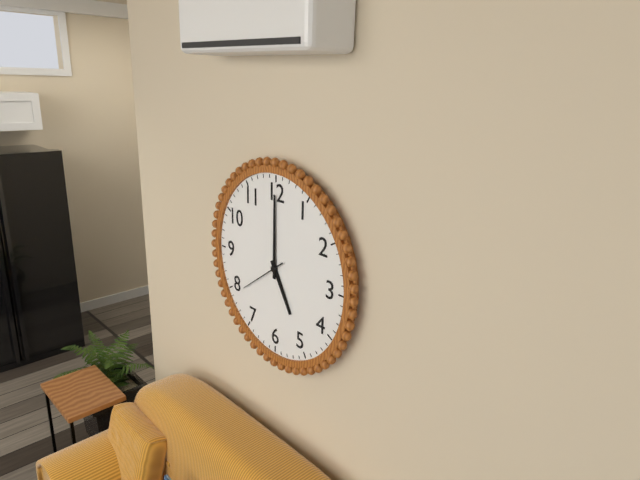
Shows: **5:00**
